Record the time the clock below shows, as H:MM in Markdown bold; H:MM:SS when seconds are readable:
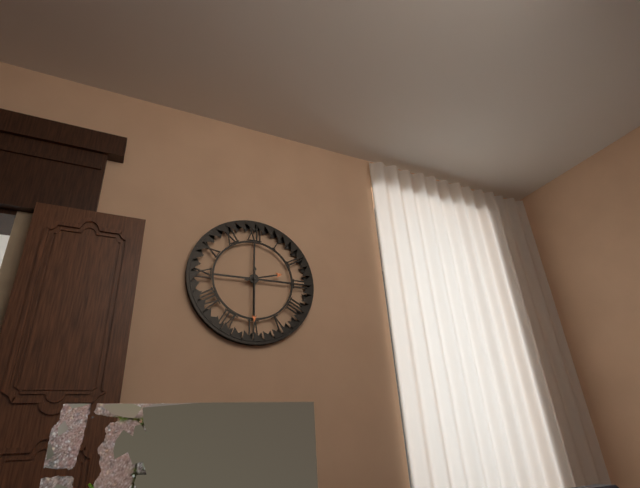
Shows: **2:30**
